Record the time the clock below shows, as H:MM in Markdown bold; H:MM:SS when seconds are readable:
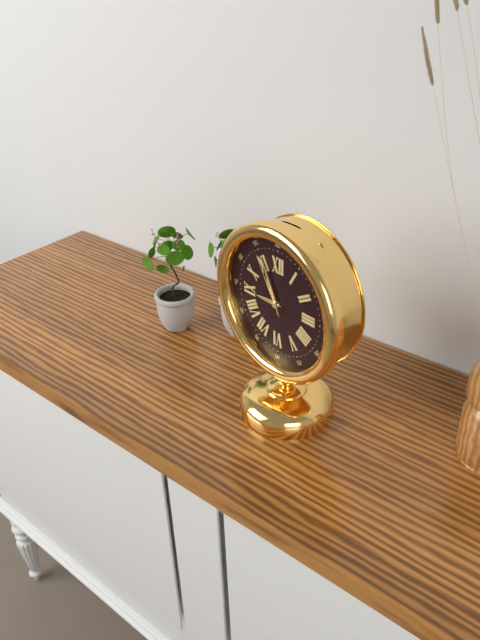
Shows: **8:56:55**
